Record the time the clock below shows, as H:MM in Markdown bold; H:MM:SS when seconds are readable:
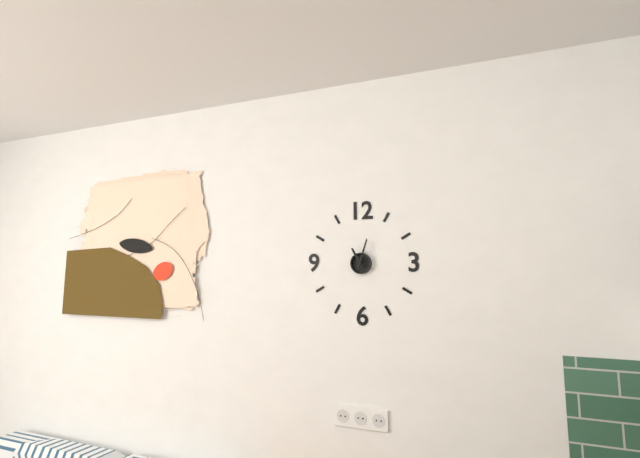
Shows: **11:03**
